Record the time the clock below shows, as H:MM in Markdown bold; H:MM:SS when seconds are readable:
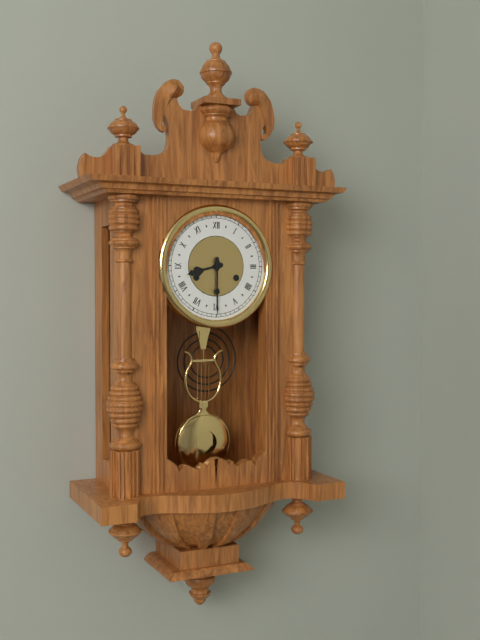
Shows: **8:30**
